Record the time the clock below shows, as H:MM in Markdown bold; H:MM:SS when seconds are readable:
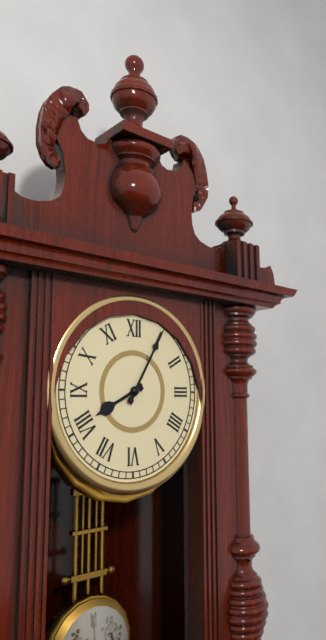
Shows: **8:05**
